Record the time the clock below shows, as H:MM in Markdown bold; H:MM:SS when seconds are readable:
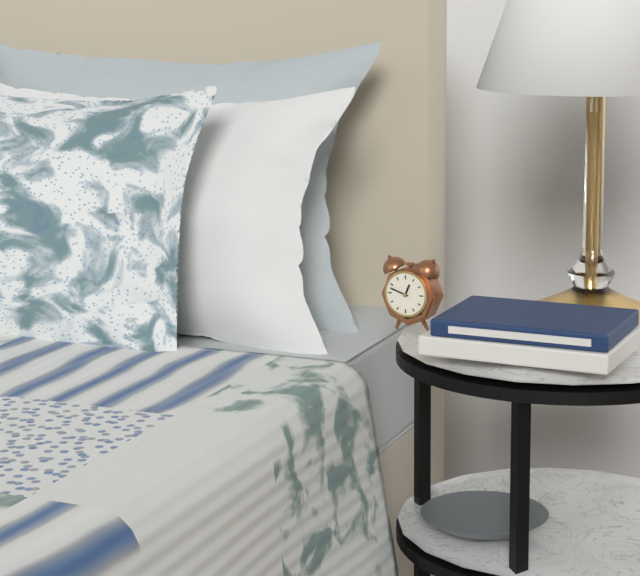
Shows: **12:48**
